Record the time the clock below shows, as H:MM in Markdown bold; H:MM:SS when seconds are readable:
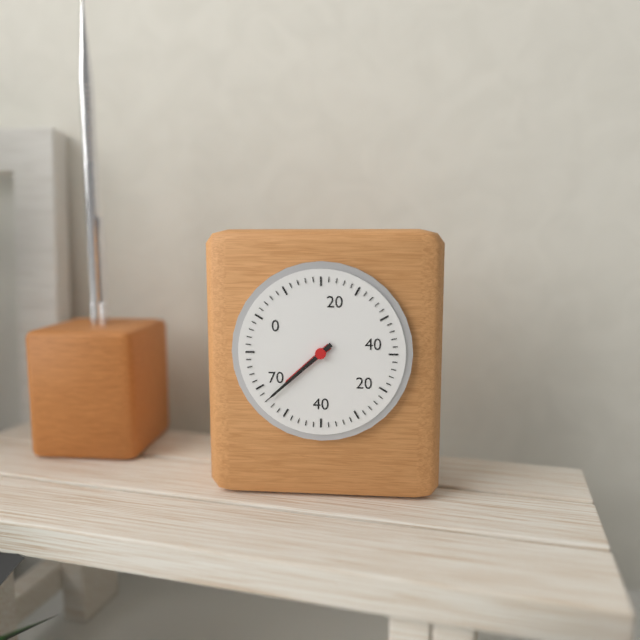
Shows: **7:38**
